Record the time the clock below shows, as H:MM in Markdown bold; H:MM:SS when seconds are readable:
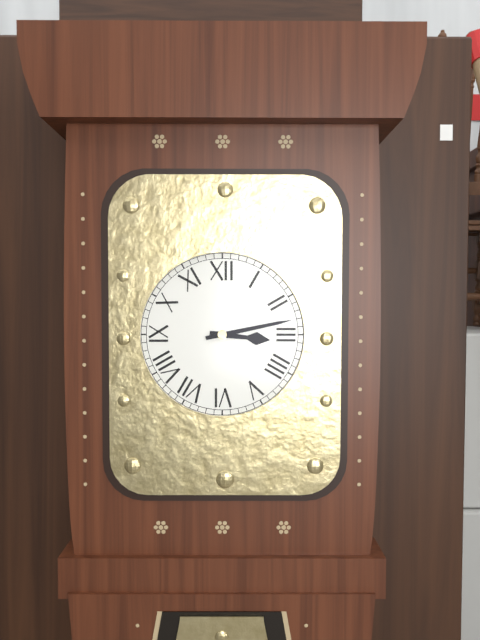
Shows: **3:13**
